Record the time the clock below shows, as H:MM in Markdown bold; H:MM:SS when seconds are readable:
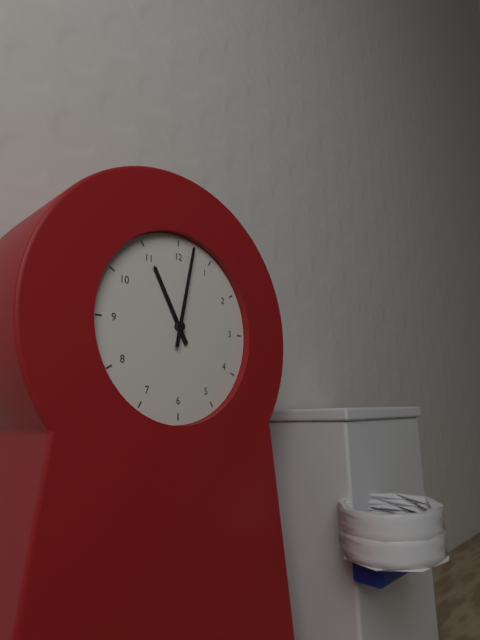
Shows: **11:02**
